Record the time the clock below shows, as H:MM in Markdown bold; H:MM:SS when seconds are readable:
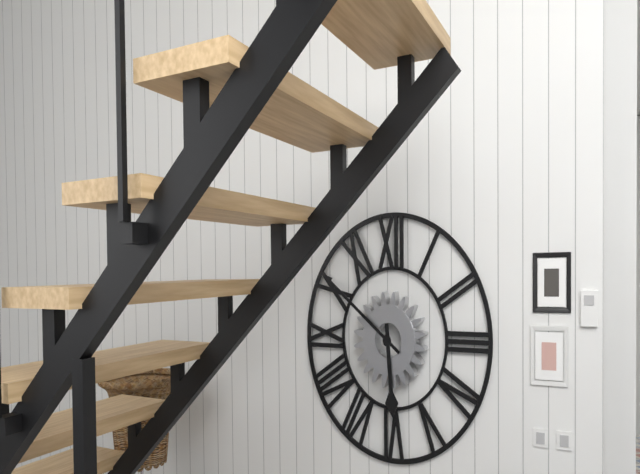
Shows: **5:51**
